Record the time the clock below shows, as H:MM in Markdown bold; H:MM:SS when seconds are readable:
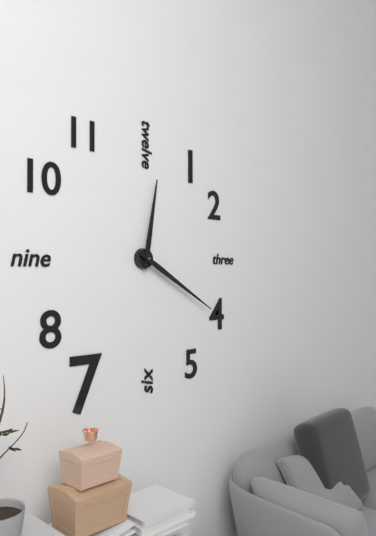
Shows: **12:20**
